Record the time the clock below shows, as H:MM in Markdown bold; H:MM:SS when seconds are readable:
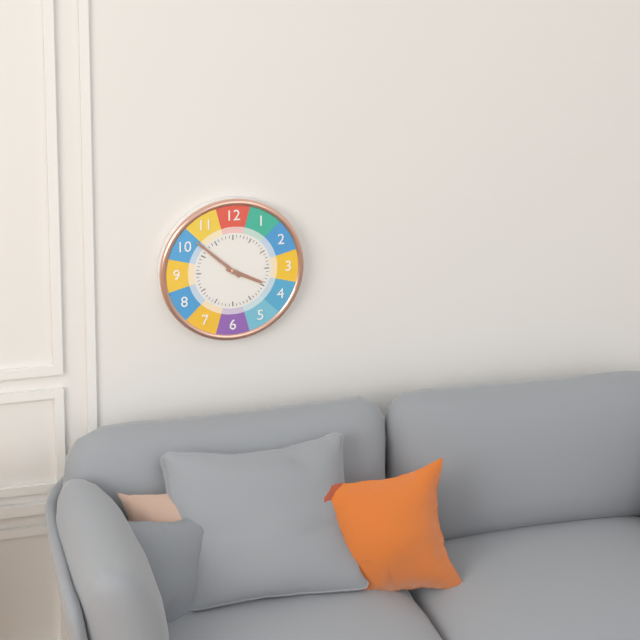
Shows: **3:52**
